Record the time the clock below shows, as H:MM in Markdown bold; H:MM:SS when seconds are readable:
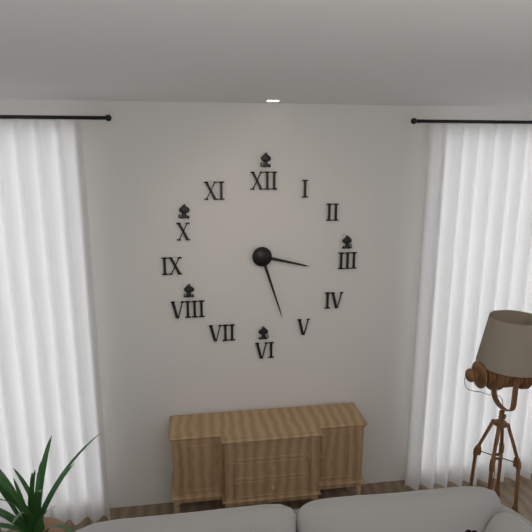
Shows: **3:27**
